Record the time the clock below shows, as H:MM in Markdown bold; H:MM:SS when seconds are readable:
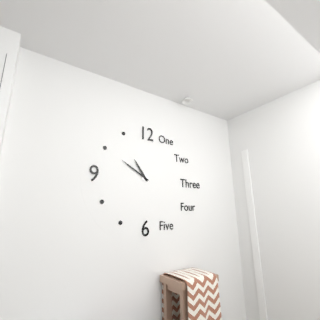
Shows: **10:50**
